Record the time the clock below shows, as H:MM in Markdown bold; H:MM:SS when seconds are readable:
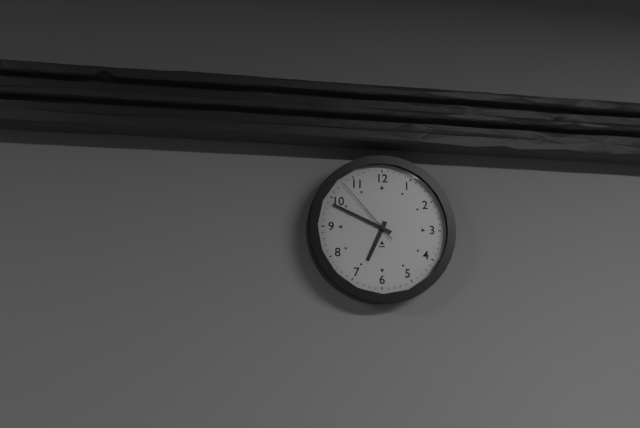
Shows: **6:49:53**
